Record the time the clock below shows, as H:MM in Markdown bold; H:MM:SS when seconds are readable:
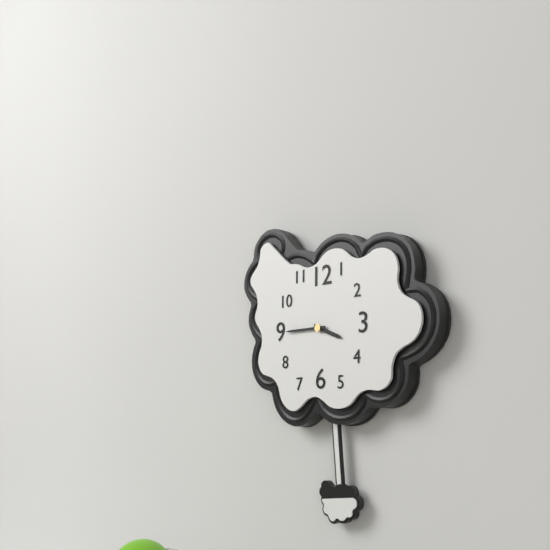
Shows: **3:45**
